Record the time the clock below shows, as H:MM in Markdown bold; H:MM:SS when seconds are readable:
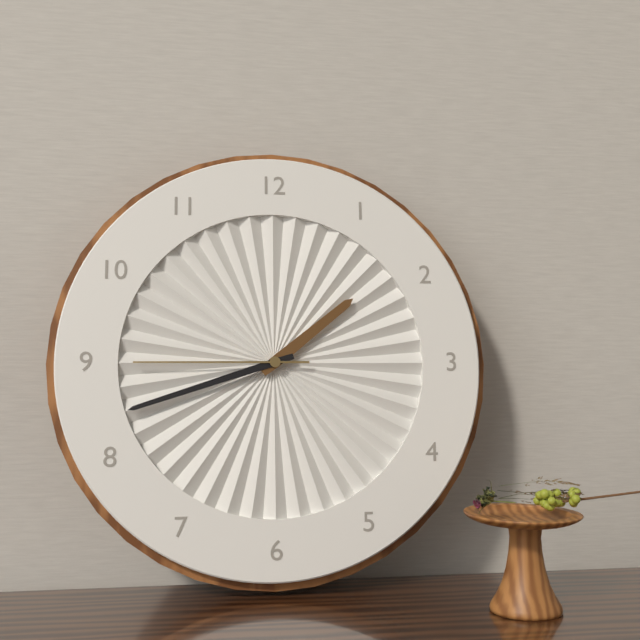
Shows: **1:42:45**
